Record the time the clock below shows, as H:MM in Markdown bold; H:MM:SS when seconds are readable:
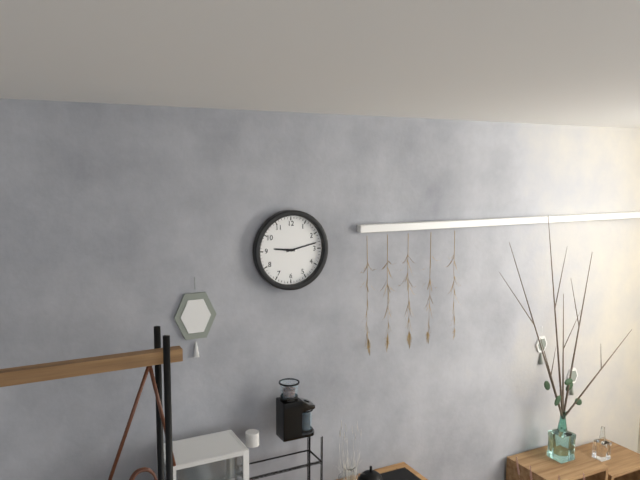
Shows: **9:13**
